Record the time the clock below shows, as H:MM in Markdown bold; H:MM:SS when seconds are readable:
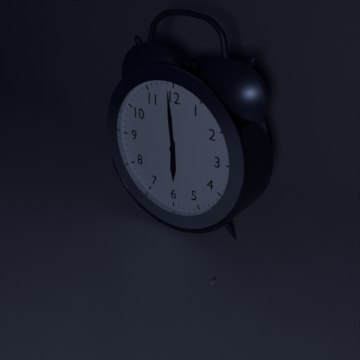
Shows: **5:59**
